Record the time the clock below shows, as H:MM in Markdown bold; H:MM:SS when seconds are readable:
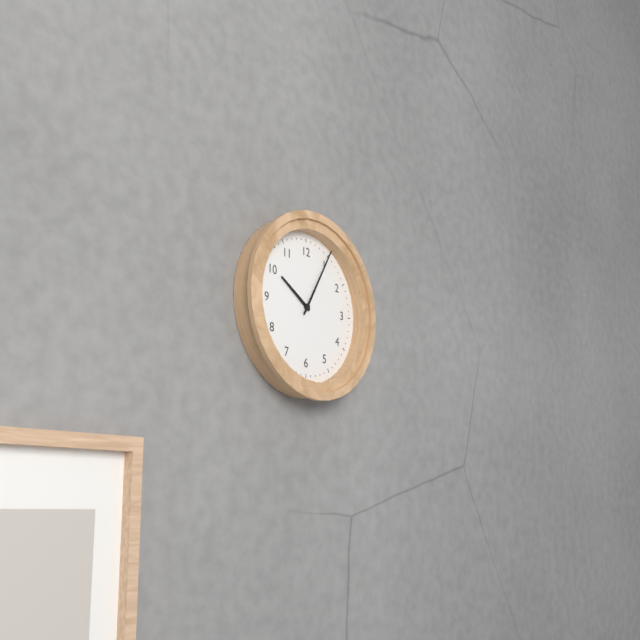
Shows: **10:05**
